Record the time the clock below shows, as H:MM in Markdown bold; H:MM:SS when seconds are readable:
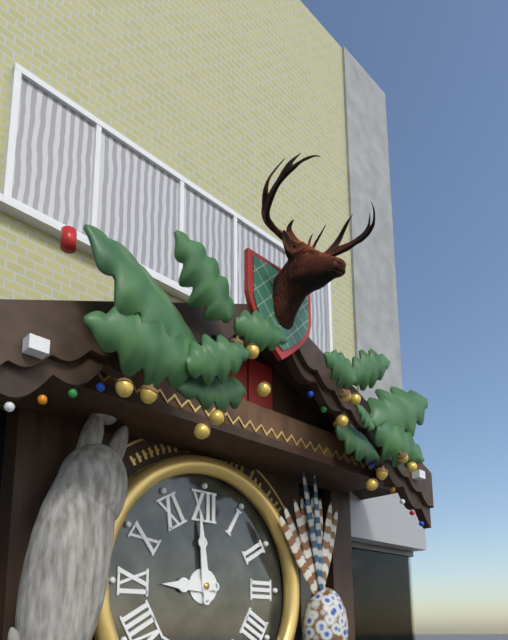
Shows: **8:59**
